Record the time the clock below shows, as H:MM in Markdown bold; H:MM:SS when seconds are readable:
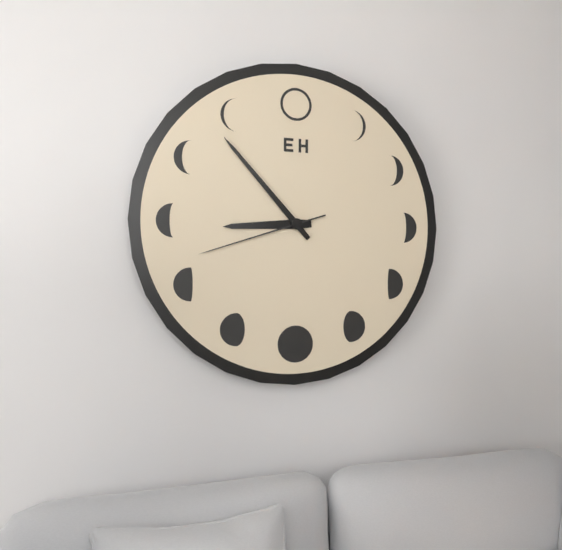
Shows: **8:53:42**
